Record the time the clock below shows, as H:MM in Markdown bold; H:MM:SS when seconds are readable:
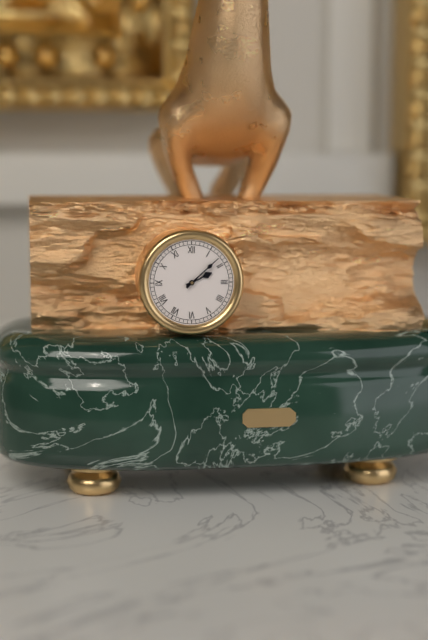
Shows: **2:08**
